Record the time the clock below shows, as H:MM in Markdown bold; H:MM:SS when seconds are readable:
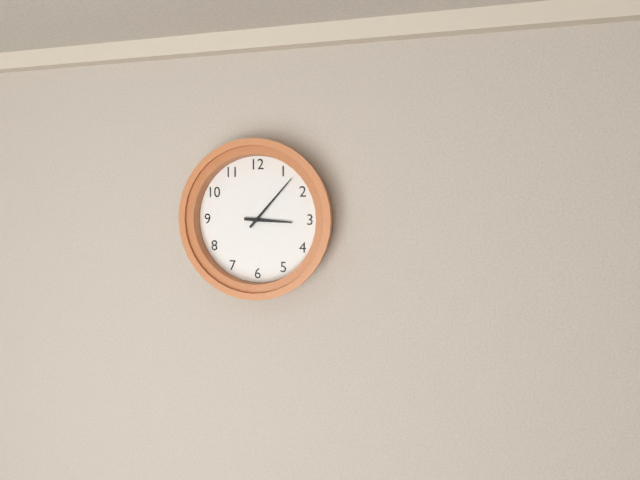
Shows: **3:07**
